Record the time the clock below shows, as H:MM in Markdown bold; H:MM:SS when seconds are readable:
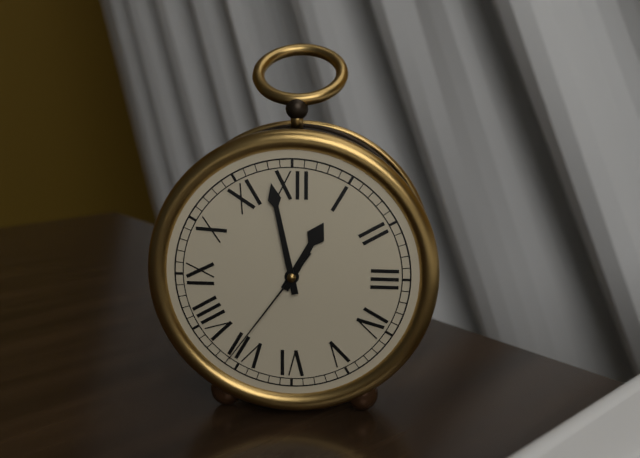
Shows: **12:58:36**
